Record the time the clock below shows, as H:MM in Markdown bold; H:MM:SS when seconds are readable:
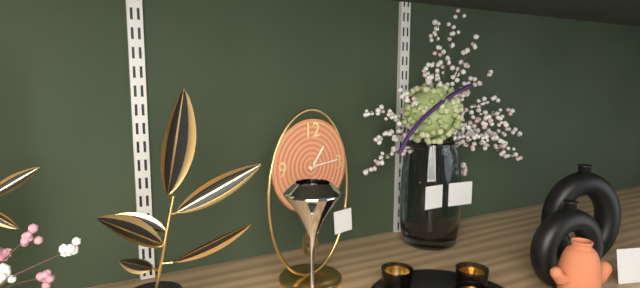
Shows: **1:14**
